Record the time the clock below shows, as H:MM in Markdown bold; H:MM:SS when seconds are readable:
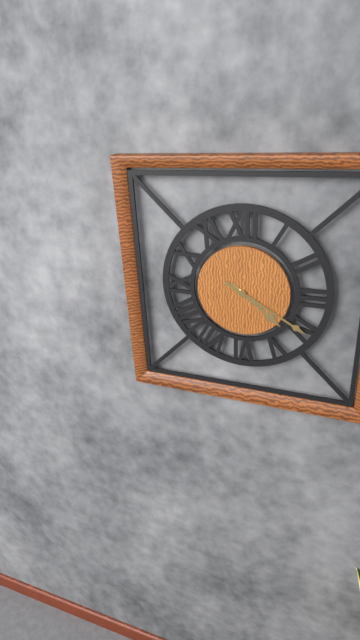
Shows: **4:20**
